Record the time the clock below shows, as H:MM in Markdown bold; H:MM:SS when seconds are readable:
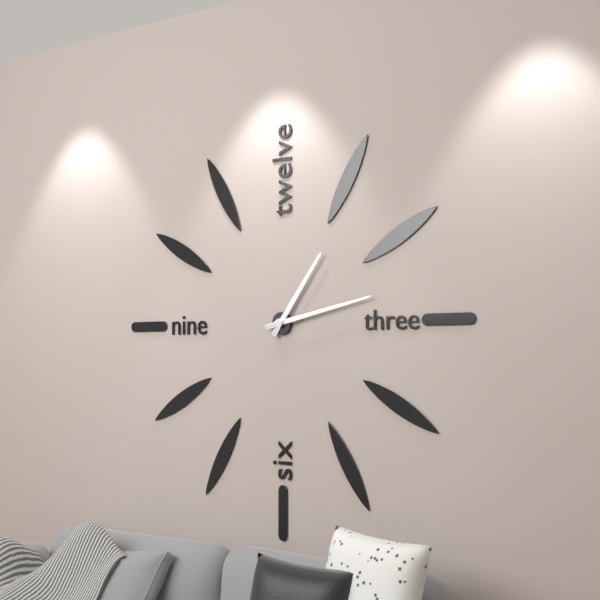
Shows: **1:13**
